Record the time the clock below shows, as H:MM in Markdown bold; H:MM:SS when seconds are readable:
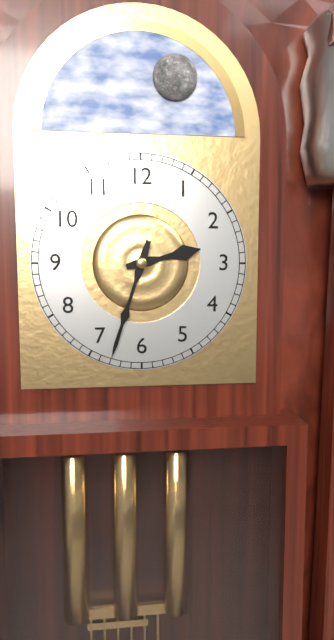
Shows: **2:33**
